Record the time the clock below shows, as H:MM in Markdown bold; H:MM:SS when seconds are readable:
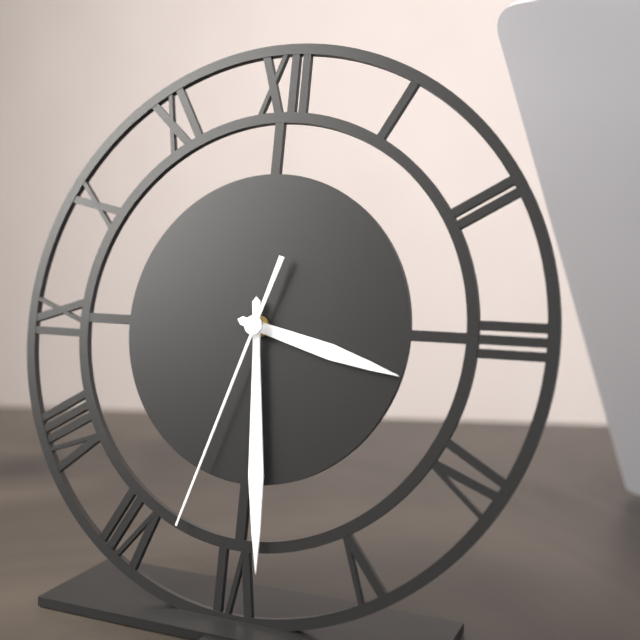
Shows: **3:29:33**
